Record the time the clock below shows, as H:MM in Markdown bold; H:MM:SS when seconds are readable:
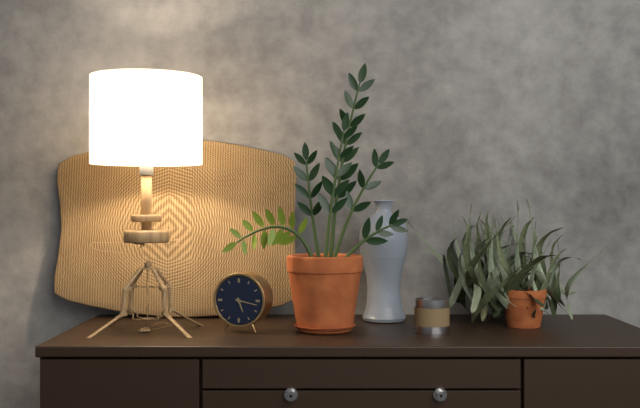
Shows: **5:17**
